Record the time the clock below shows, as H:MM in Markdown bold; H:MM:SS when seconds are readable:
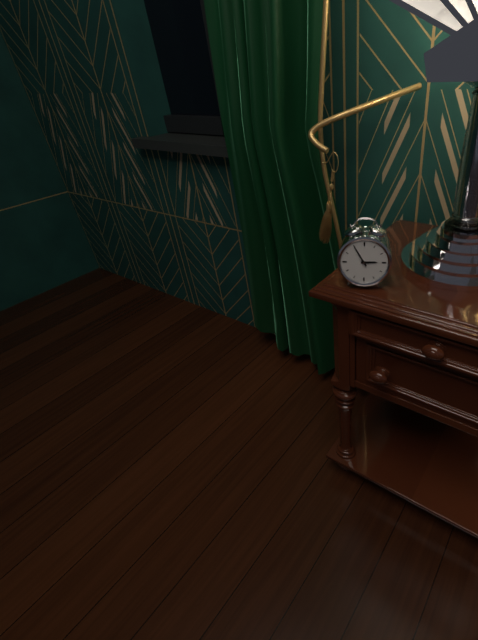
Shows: **2:55**
